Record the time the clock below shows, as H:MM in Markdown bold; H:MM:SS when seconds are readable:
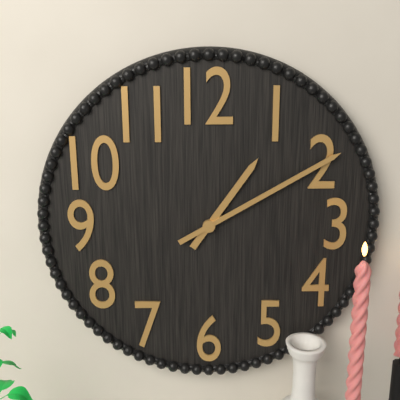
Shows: **1:10**
